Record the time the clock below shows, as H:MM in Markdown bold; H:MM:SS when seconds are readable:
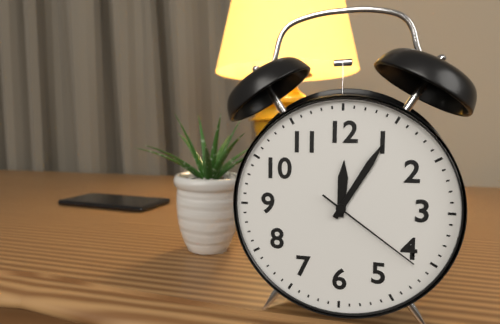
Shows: **12:05:21**
